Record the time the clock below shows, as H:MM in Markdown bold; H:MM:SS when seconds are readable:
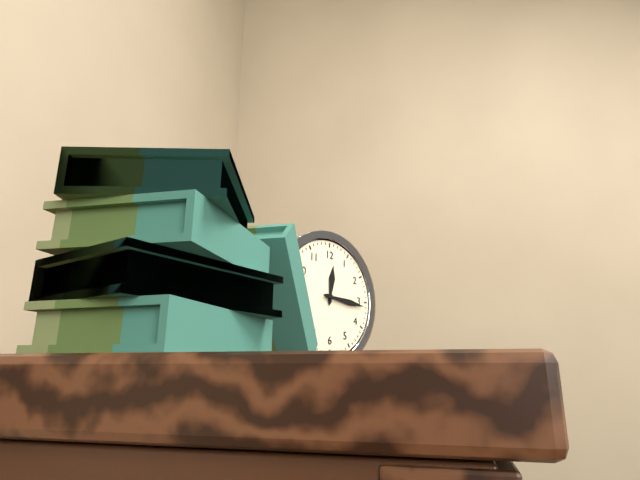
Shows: **12:16**
